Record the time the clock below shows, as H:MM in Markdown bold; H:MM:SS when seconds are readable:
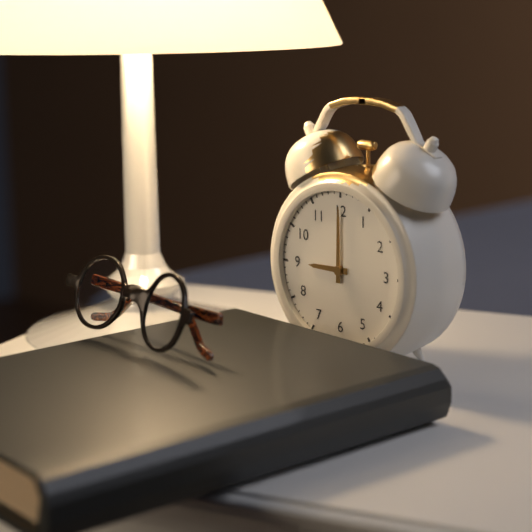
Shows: **9:00**
